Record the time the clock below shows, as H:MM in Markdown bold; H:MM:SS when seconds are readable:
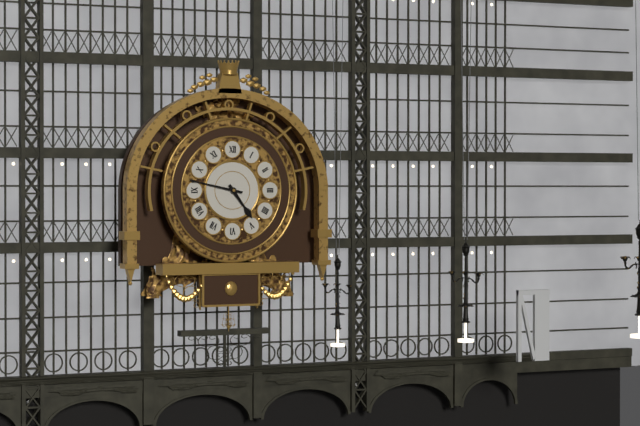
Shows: **4:47**
